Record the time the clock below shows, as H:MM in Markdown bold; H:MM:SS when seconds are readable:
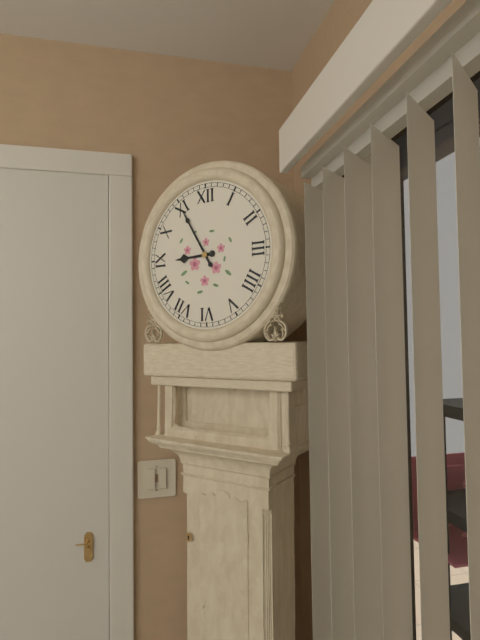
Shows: **8:55**
